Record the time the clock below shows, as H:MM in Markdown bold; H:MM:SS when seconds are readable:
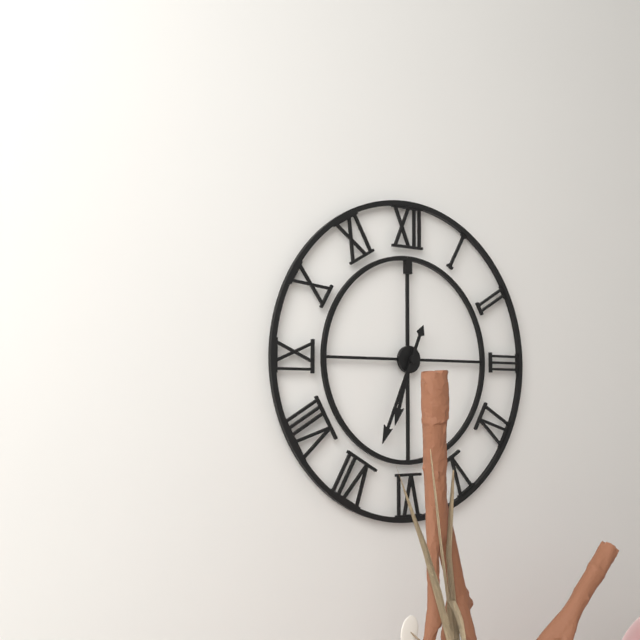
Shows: **6:34**
